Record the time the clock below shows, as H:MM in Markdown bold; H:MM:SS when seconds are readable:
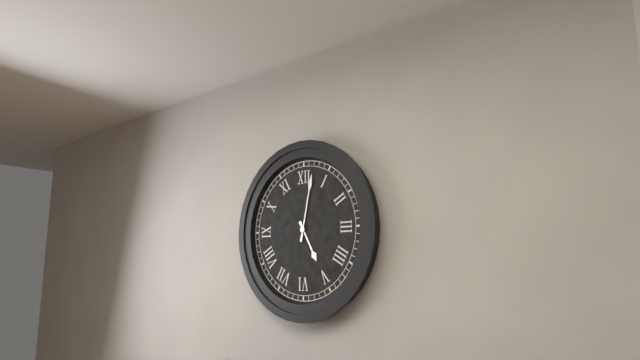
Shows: **5:02**
